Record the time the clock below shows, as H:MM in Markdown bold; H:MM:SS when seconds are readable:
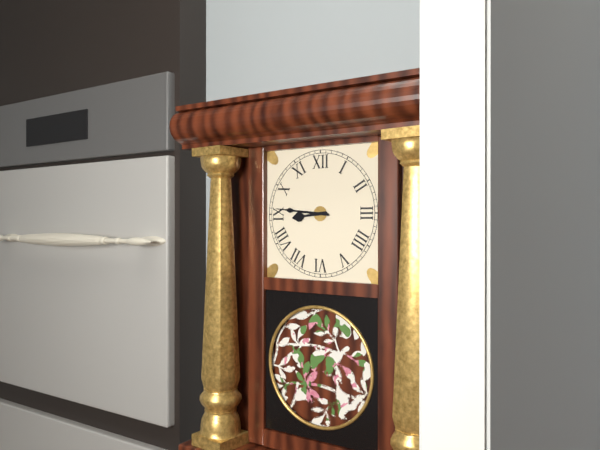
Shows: **8:46**
